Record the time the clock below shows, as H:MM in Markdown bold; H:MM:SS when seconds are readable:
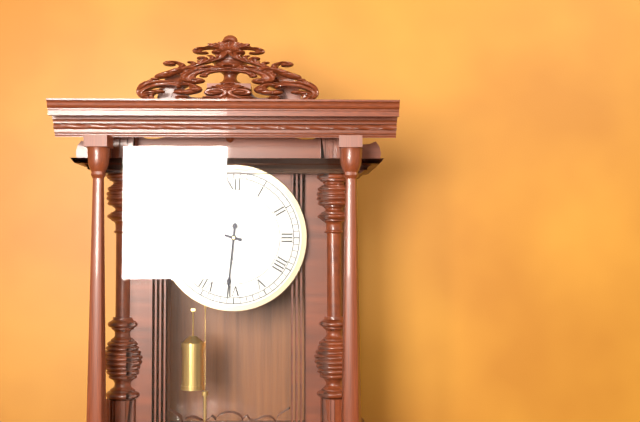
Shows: **9:31**
